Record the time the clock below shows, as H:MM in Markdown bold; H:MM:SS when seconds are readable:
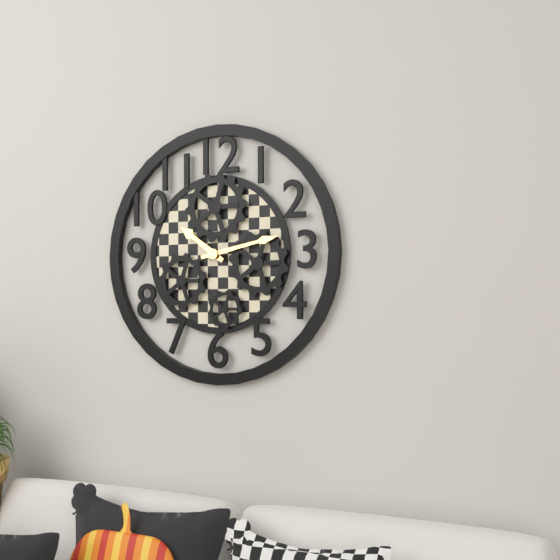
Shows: **10:13**
